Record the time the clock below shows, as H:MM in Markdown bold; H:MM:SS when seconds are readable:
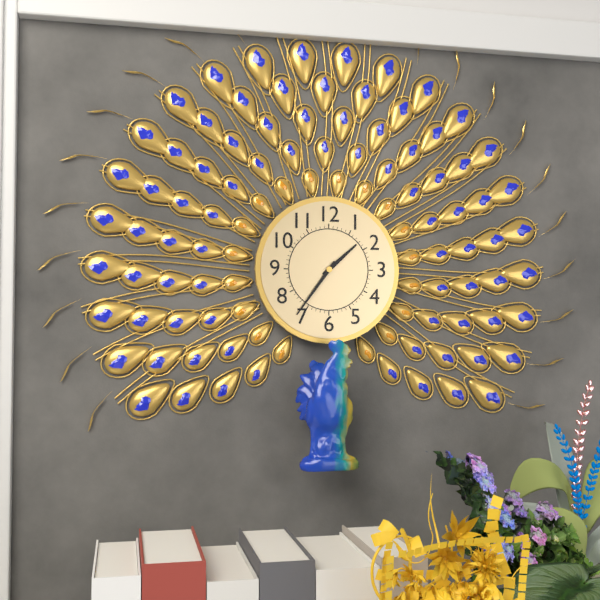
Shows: **1:36**
